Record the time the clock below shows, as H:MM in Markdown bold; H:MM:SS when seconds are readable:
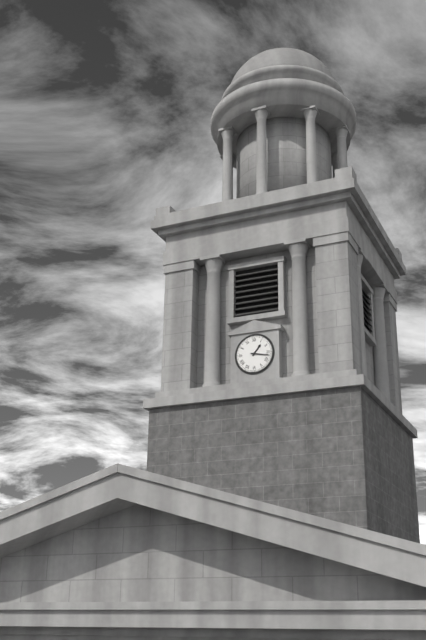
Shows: **1:17**
